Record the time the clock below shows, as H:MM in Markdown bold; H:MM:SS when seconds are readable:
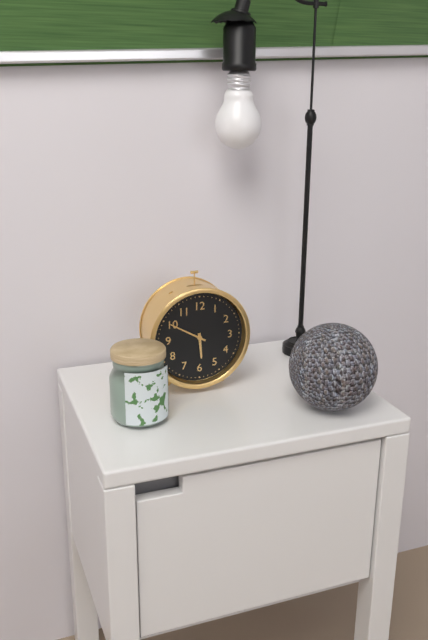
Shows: **5:50**
